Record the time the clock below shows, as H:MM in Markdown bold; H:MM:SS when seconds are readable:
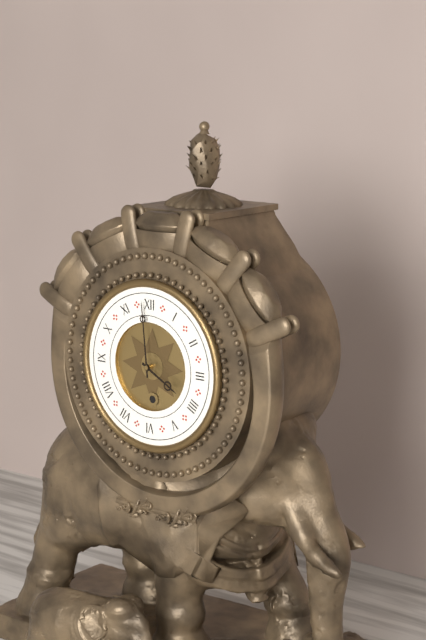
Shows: **3:59**
